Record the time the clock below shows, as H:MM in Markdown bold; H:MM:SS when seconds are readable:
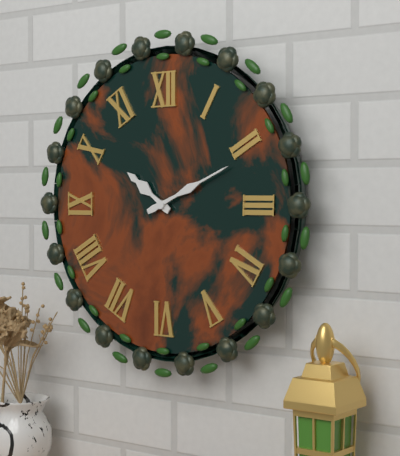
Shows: **10:11**
